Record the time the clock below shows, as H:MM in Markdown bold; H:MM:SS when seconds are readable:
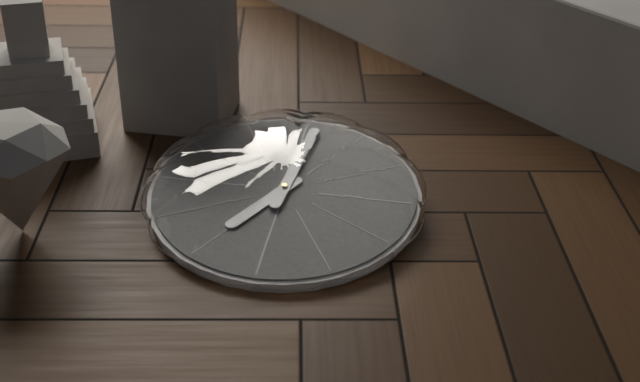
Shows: **7:01**
